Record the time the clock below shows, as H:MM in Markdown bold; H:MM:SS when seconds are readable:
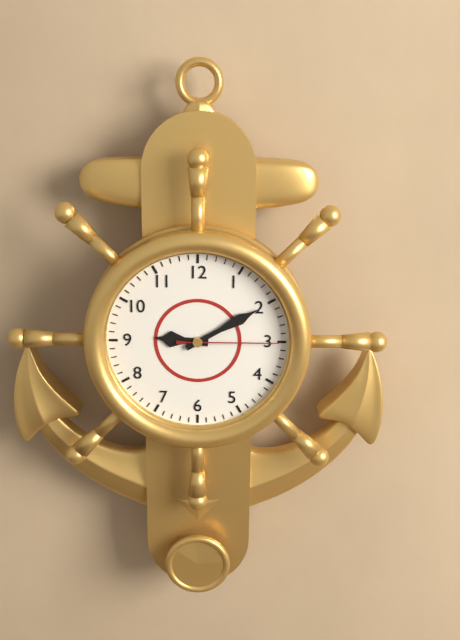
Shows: **9:10:15**
